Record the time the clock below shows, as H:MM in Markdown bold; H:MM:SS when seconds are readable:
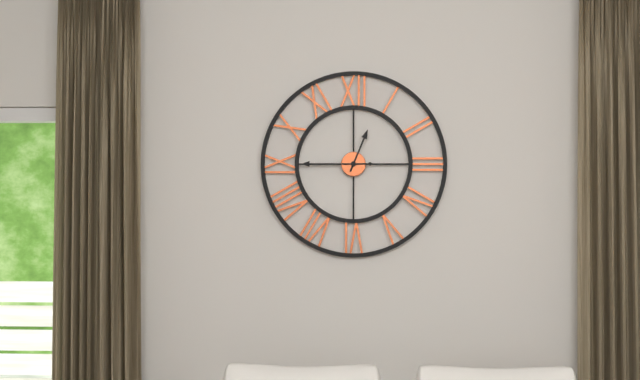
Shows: **12:45**
